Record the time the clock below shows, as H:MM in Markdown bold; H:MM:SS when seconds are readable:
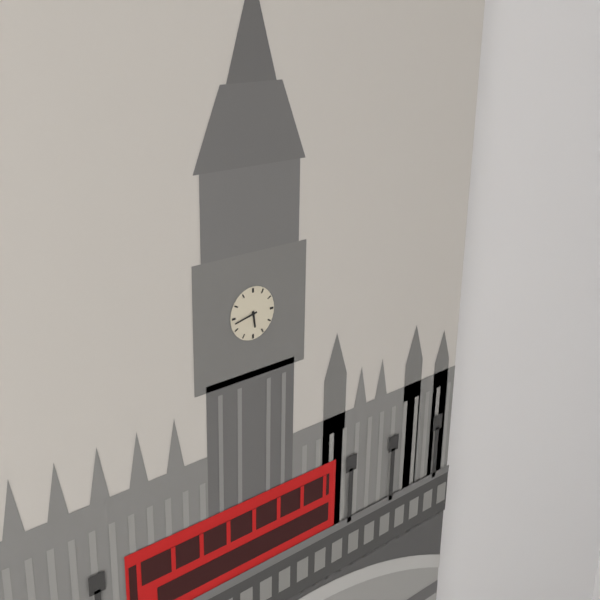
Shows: **5:43**
